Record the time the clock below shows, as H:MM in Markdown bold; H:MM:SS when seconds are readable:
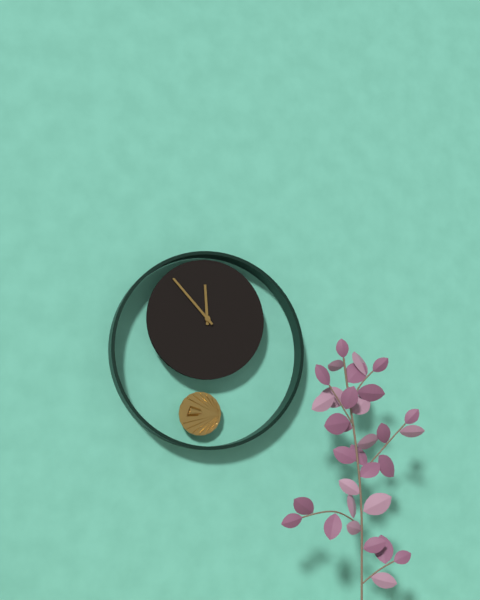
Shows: **11:53**
